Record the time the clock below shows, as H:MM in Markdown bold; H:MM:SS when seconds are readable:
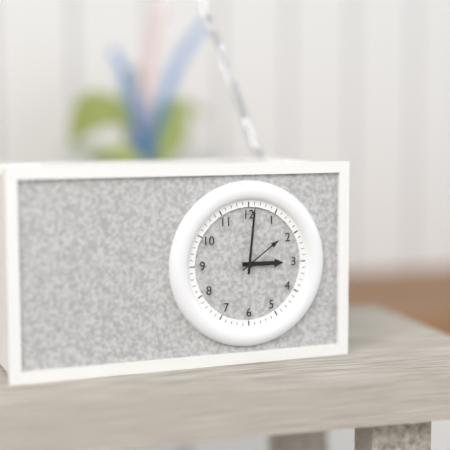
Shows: **3:01**
